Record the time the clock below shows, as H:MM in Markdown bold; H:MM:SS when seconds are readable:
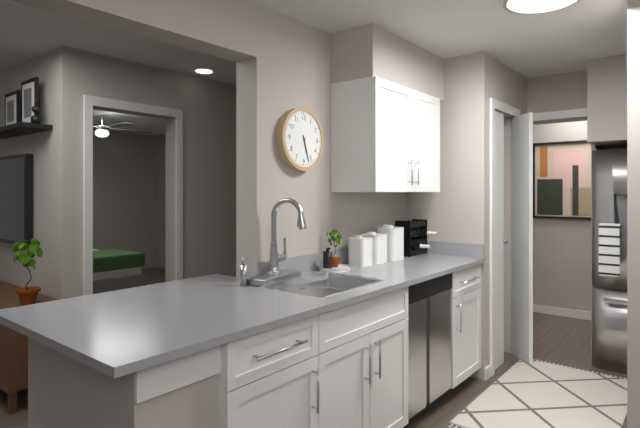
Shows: **5:27**
